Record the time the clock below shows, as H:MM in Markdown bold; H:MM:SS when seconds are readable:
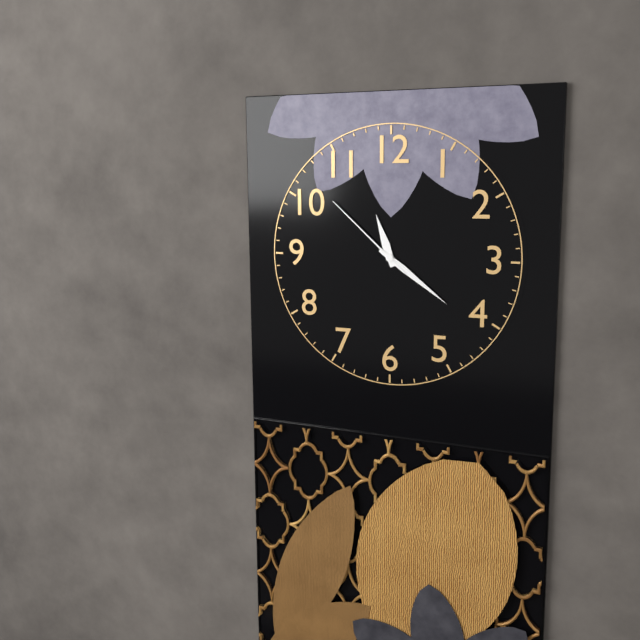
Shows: **11:21:52**
